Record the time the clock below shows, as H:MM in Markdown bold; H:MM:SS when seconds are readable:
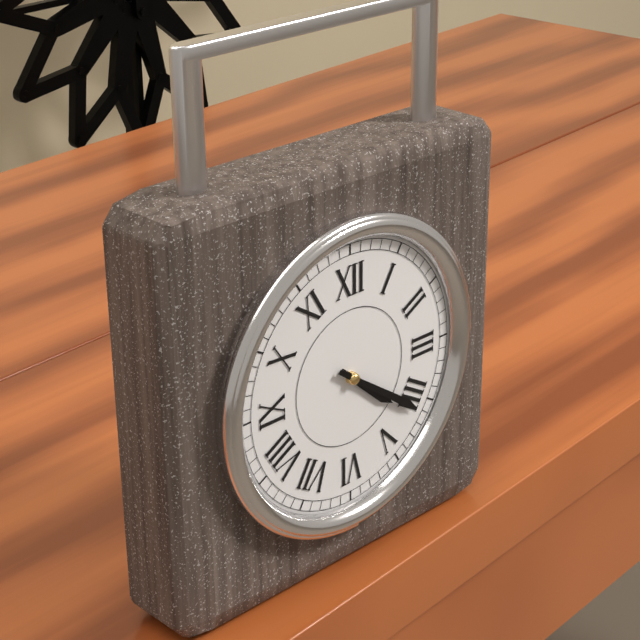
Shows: **4:21**
